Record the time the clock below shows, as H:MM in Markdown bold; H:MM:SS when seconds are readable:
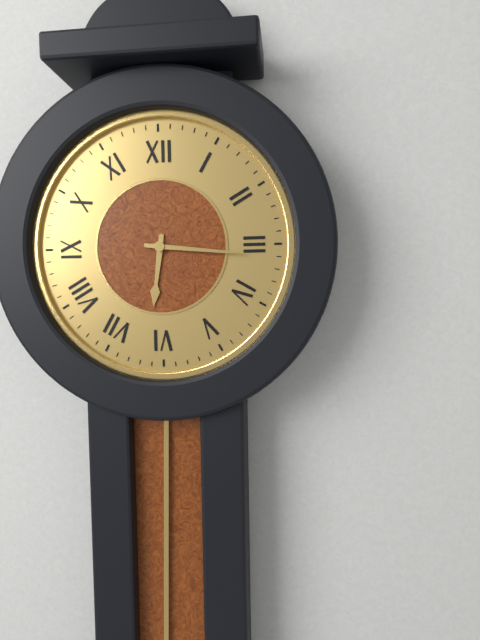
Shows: **6:16**
